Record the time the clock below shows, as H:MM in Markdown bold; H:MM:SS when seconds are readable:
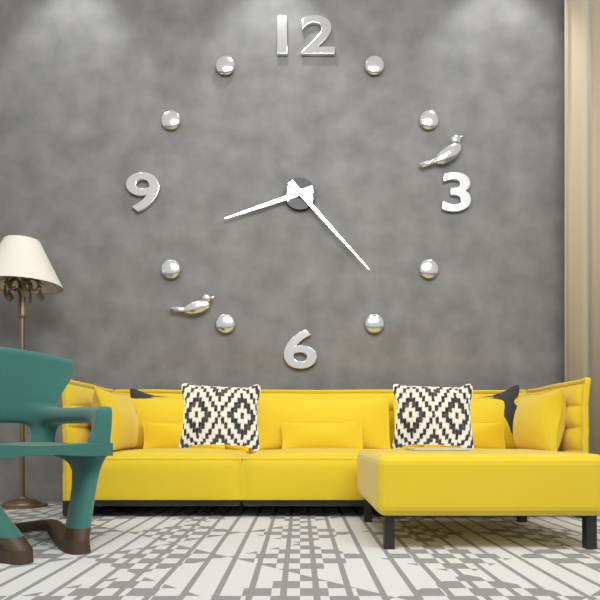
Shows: **8:23**
